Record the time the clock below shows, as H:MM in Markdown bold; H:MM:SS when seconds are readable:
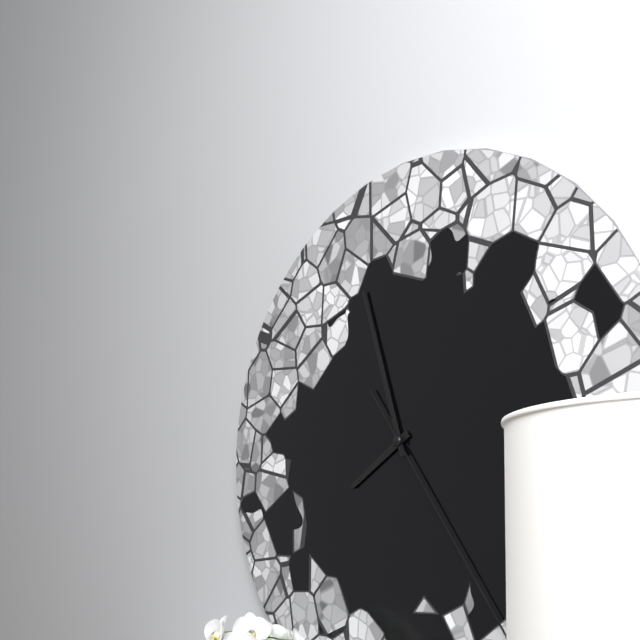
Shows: **7:57**
